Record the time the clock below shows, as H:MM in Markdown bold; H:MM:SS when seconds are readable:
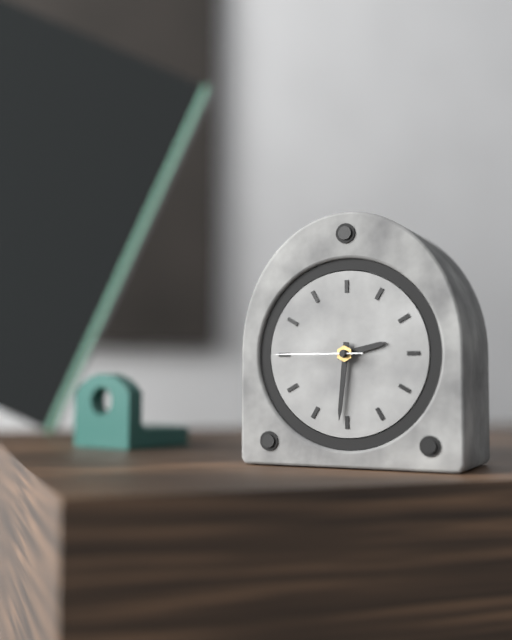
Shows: **2:31:45**
